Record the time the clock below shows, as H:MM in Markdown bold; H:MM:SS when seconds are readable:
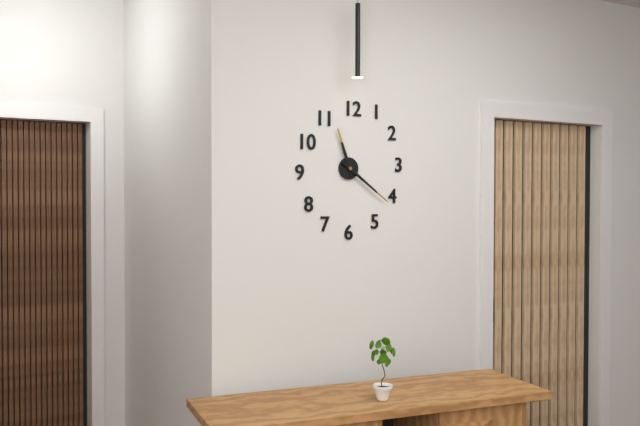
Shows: **11:21**
